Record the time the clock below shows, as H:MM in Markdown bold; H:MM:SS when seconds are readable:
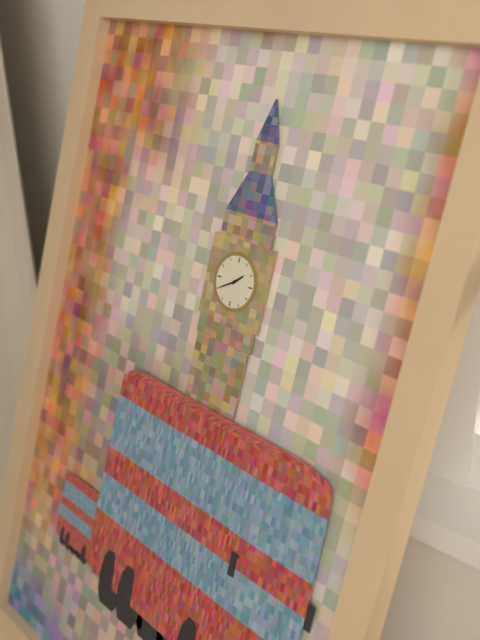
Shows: **1:40**
